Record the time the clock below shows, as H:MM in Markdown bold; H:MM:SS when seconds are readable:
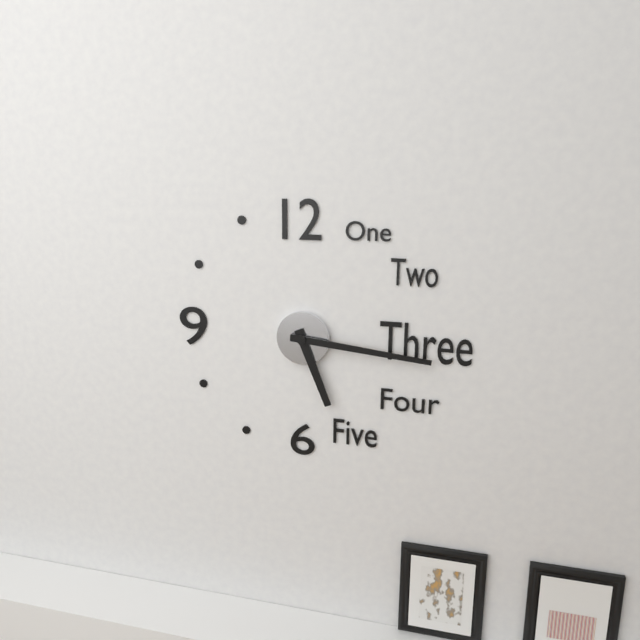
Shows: **5:16**
